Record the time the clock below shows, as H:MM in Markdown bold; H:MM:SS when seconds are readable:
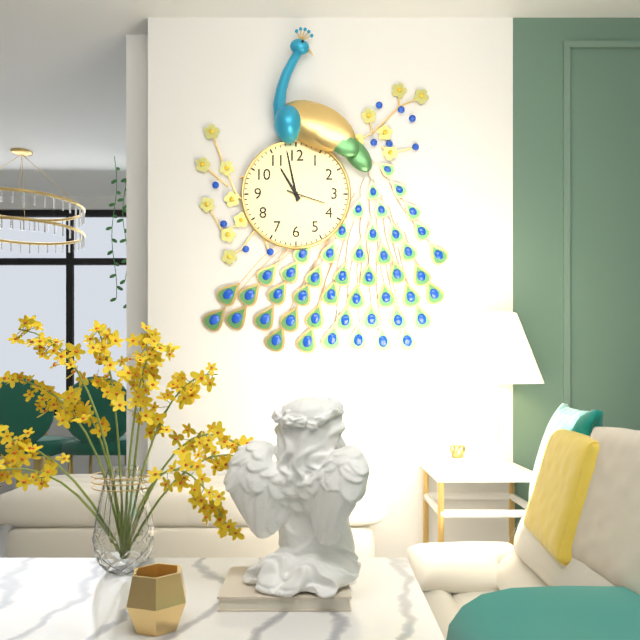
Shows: **10:58**
